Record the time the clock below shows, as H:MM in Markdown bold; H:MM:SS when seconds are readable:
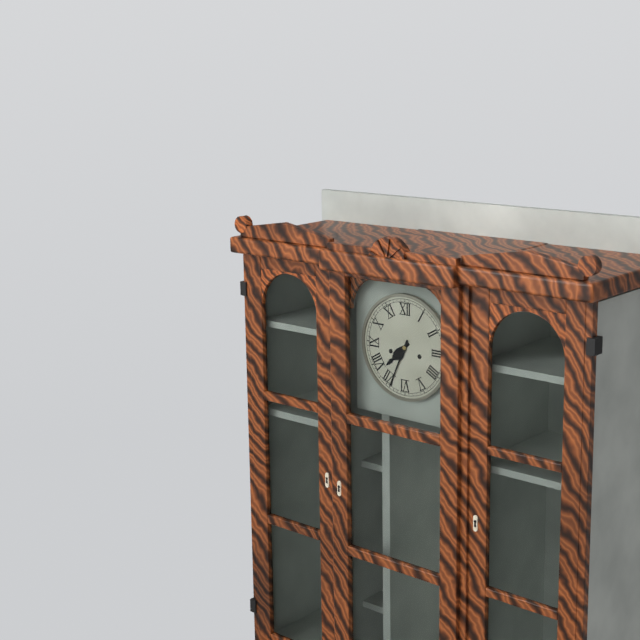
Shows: **7:34**
